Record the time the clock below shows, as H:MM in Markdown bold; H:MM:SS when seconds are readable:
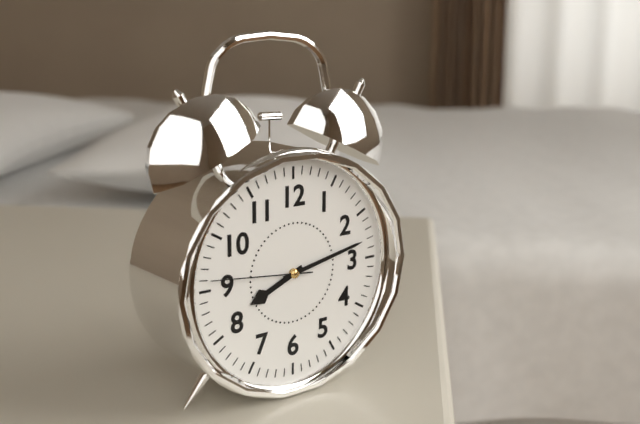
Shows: **8:13:46**
